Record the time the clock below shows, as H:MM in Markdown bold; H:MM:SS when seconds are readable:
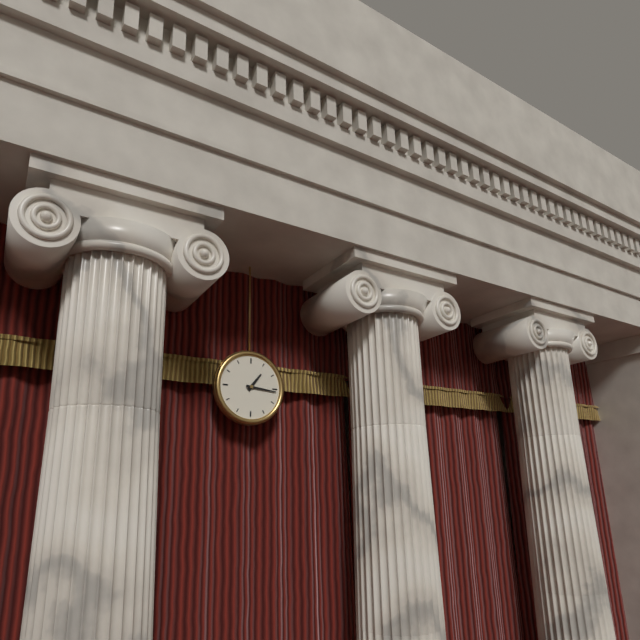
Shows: **1:16**
